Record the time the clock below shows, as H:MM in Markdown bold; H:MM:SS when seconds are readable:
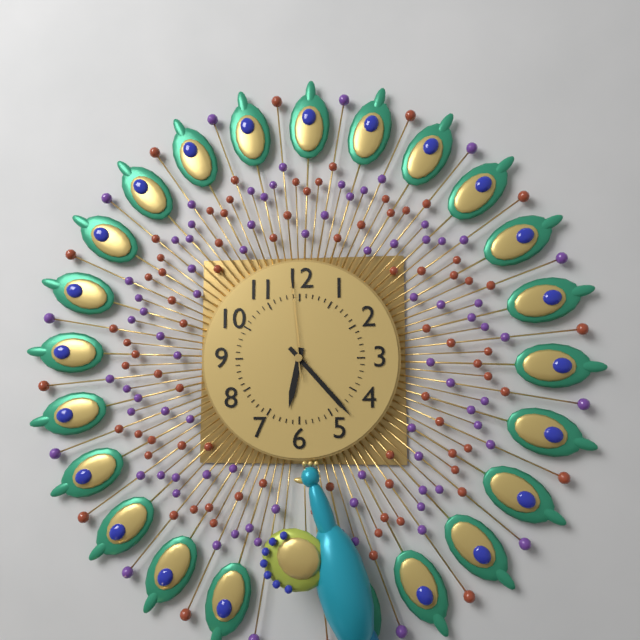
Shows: **6:23:59**
